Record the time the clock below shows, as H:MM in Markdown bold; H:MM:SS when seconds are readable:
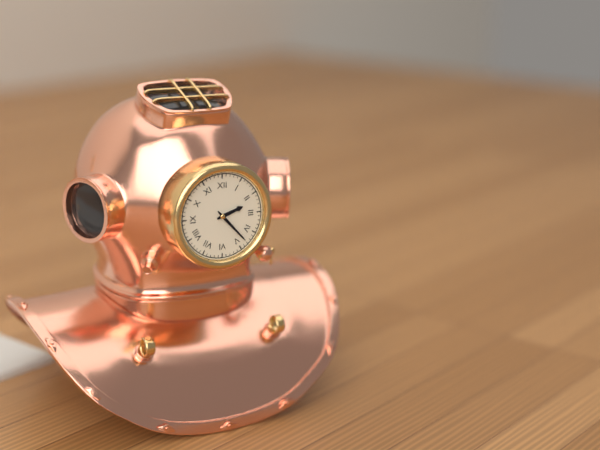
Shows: **2:23**
